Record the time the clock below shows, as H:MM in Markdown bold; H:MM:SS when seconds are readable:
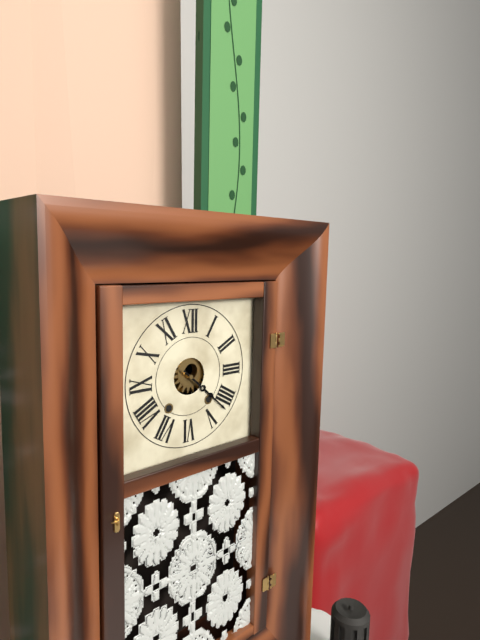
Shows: **4:22**
